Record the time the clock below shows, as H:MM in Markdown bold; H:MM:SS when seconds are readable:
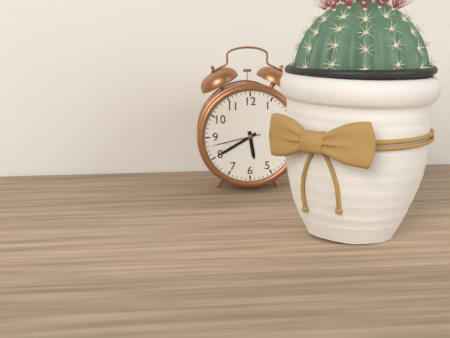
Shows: **5:40:43**
